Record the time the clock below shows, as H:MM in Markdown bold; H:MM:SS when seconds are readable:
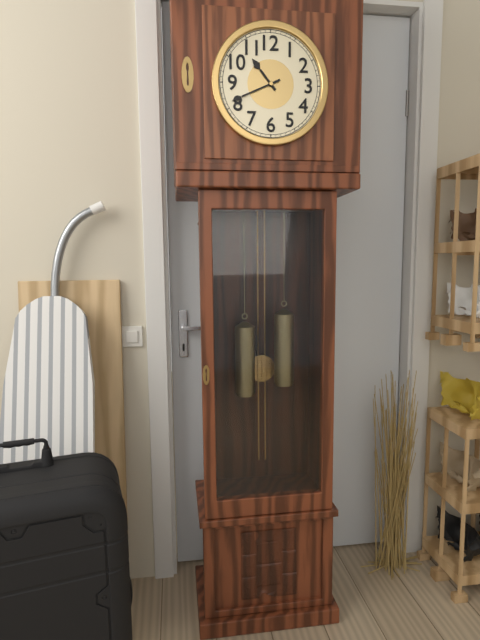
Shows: **10:41**
